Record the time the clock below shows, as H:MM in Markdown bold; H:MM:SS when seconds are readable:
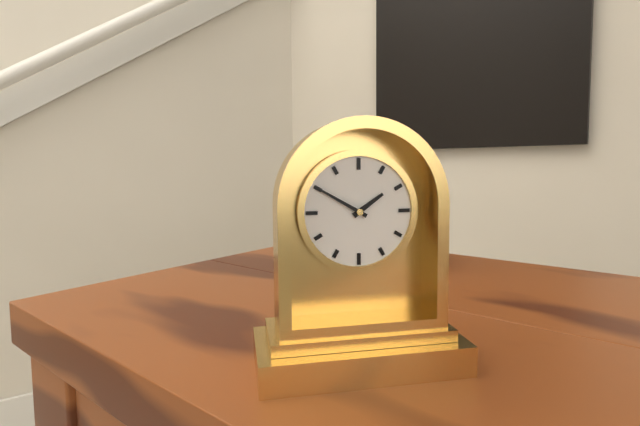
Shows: **1:50**
